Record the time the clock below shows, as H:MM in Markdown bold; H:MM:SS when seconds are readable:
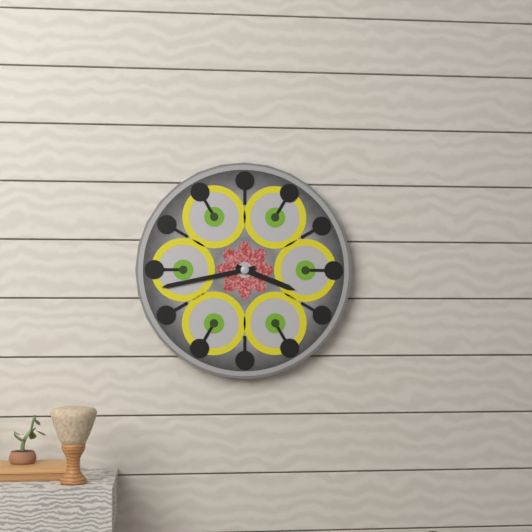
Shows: **3:43**
